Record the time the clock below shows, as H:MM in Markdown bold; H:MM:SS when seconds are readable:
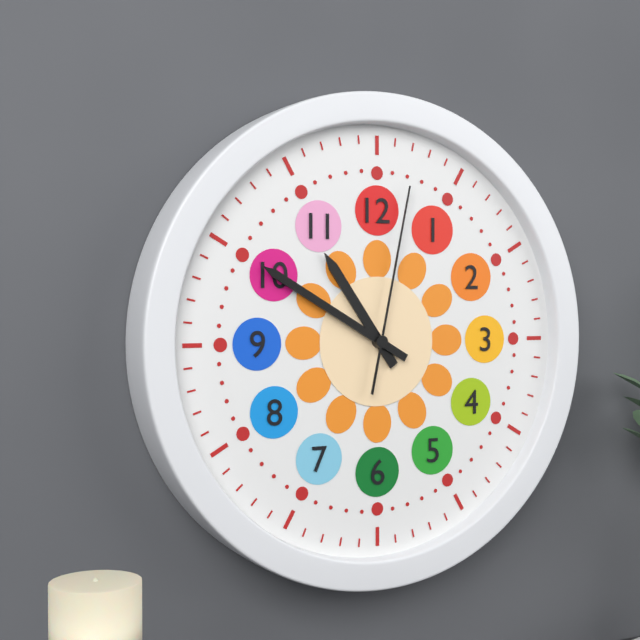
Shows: **10:50:02**
